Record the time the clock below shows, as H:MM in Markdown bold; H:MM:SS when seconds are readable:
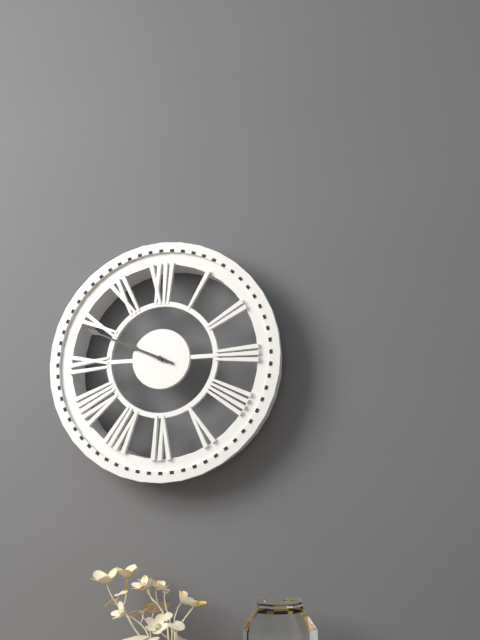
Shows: **9:49**
